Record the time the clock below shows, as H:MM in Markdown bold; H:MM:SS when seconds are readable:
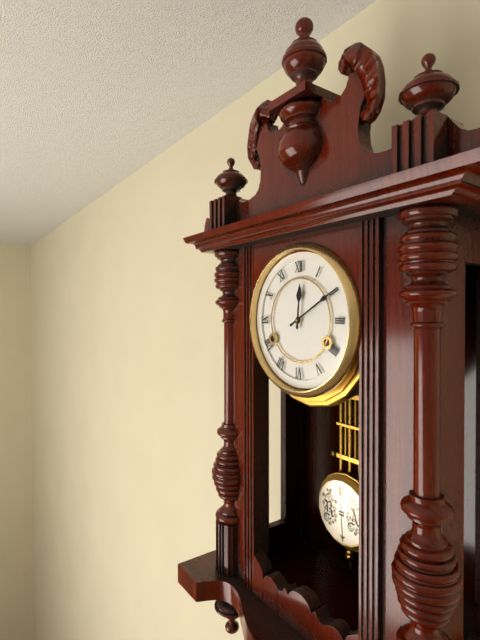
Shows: **12:10**
